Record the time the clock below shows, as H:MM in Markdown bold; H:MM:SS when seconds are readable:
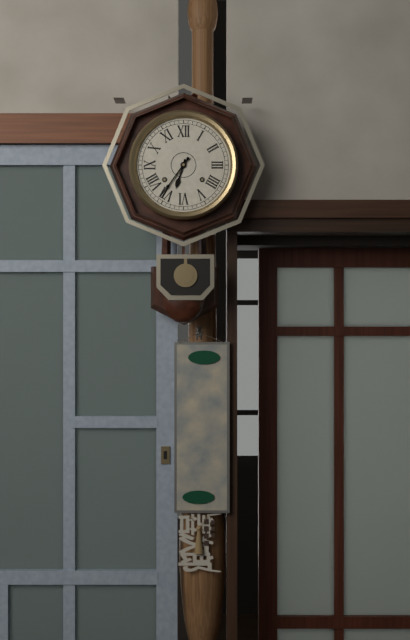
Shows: **6:36**
